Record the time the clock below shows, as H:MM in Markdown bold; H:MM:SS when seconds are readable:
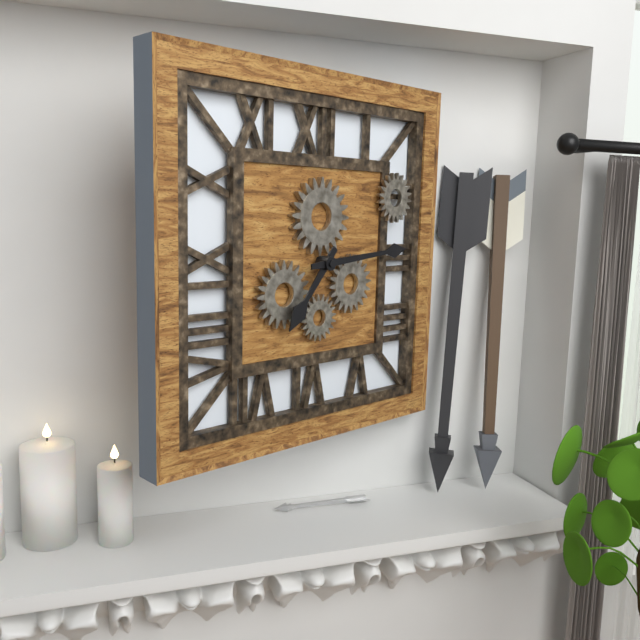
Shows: **7:14**
